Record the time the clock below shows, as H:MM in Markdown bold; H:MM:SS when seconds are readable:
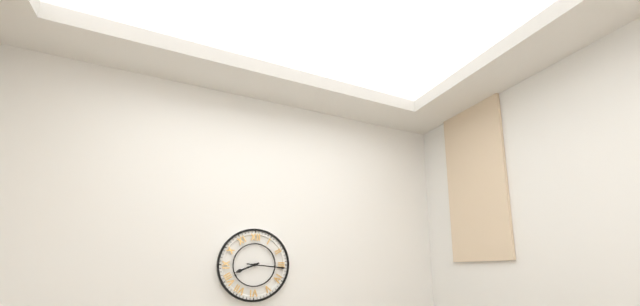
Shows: **8:16**
